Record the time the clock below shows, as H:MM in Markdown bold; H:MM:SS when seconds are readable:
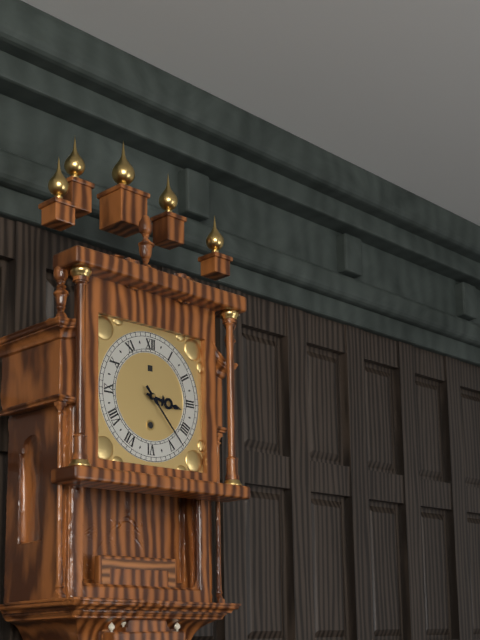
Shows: **3:23**
